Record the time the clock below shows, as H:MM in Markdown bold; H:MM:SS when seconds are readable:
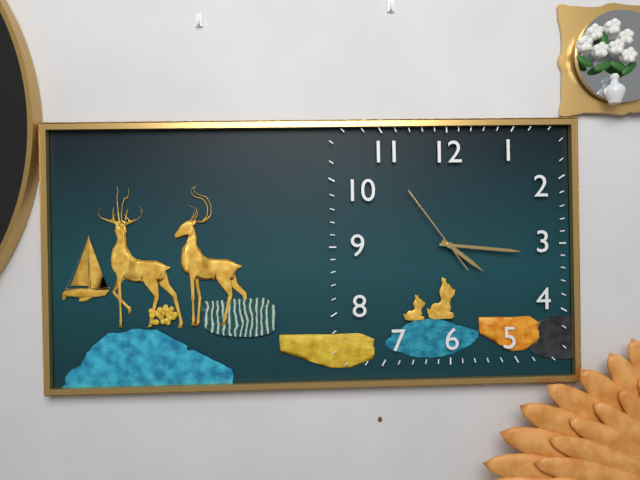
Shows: **4:16:54**
